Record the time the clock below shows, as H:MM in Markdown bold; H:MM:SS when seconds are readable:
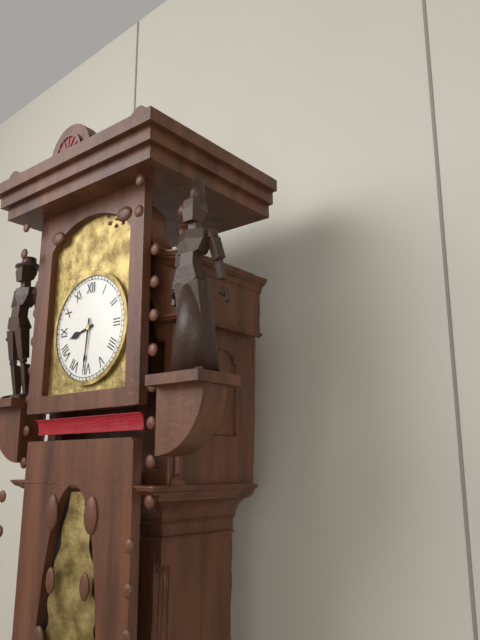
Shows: **8:31**
